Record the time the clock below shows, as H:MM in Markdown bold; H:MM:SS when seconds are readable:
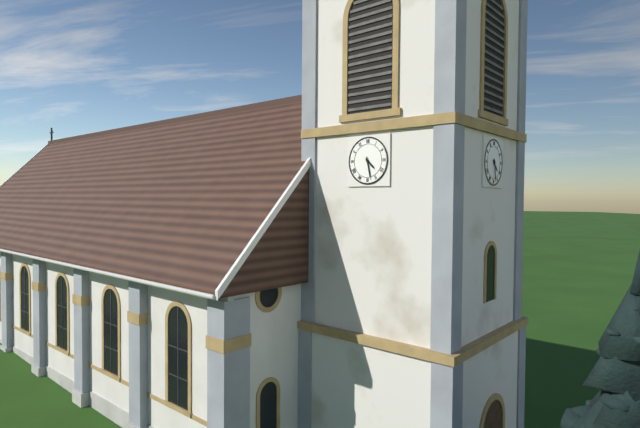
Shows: **4:28**
